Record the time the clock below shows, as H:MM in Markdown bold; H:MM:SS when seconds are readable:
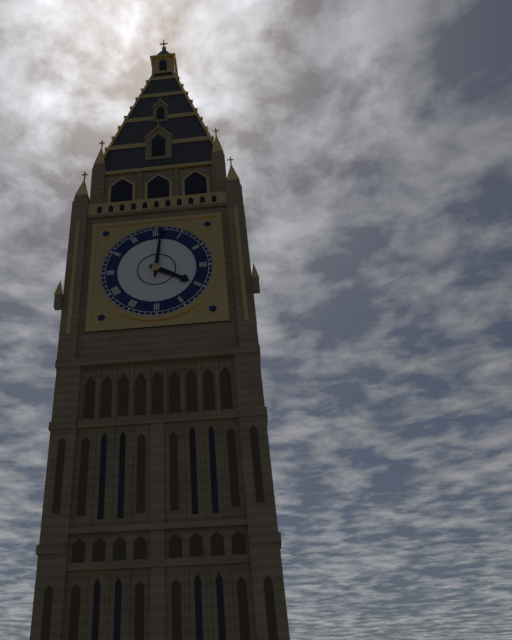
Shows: **4:01**
